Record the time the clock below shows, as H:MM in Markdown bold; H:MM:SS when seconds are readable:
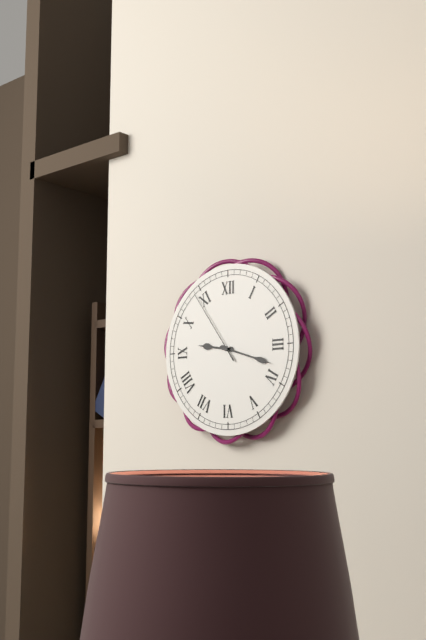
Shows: **9:18:54**
